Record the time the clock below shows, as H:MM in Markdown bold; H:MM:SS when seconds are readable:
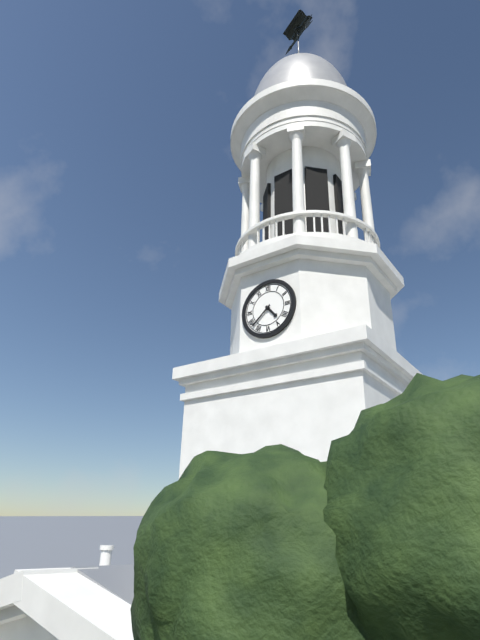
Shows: **4:38**
